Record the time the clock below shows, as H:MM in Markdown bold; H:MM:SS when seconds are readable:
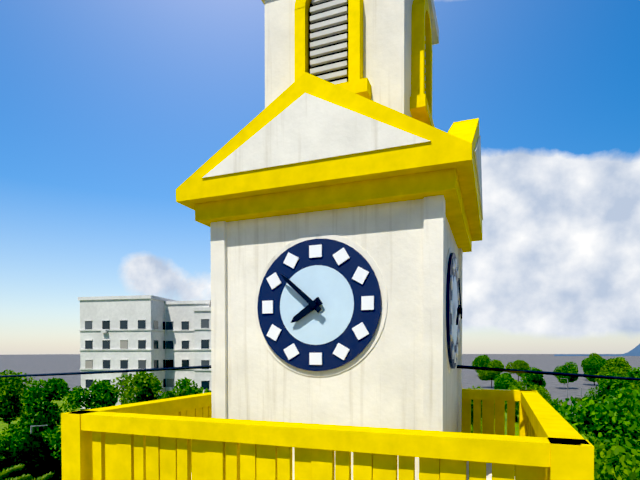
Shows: **7:52**
